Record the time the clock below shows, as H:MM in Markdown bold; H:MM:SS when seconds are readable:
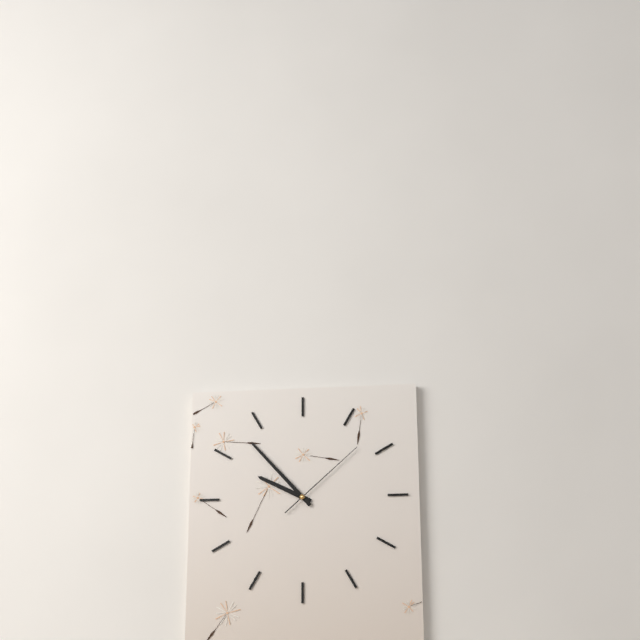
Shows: **9:53:08**
